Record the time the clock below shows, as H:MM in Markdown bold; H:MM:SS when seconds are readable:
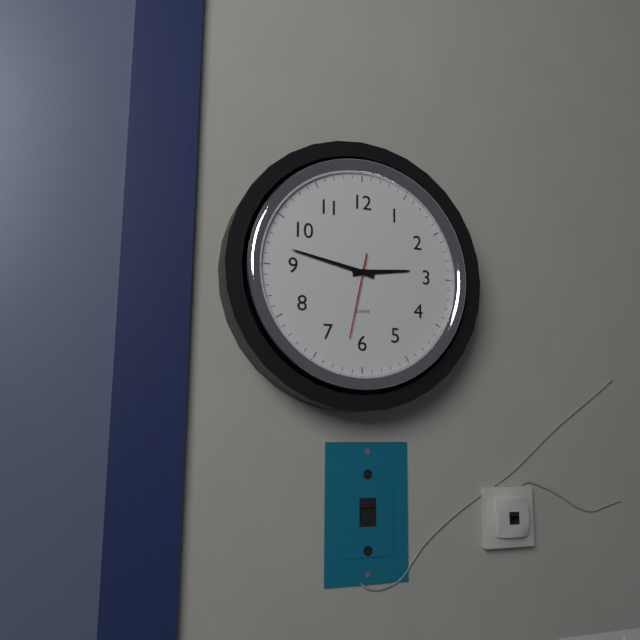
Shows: **2:47:32**
